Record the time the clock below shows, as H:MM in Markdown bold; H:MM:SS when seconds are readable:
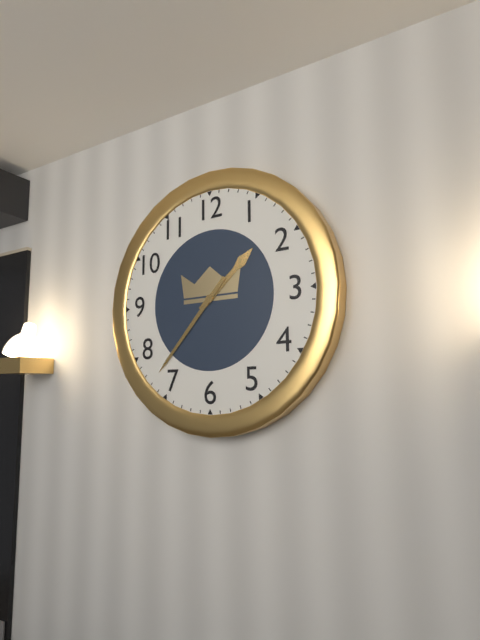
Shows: **1:37**
